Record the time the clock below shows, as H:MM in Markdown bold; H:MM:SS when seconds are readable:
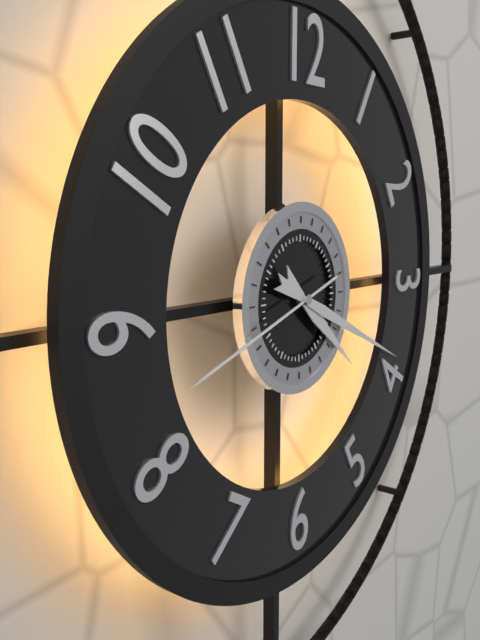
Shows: **4:19:42**
